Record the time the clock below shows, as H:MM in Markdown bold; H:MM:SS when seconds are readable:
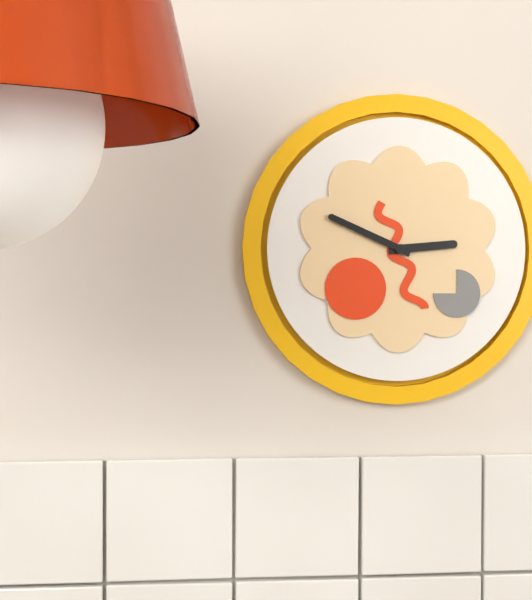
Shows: **2:49**
